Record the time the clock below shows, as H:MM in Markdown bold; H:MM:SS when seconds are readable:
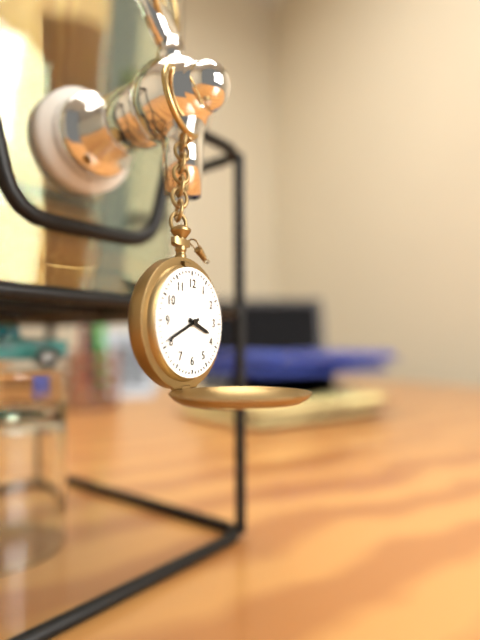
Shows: **3:41**
